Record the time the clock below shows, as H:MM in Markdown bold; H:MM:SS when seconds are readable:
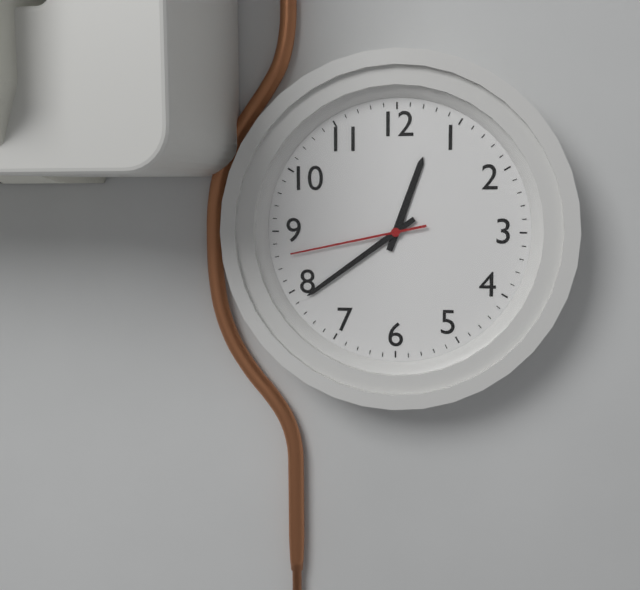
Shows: **12:39:43**
